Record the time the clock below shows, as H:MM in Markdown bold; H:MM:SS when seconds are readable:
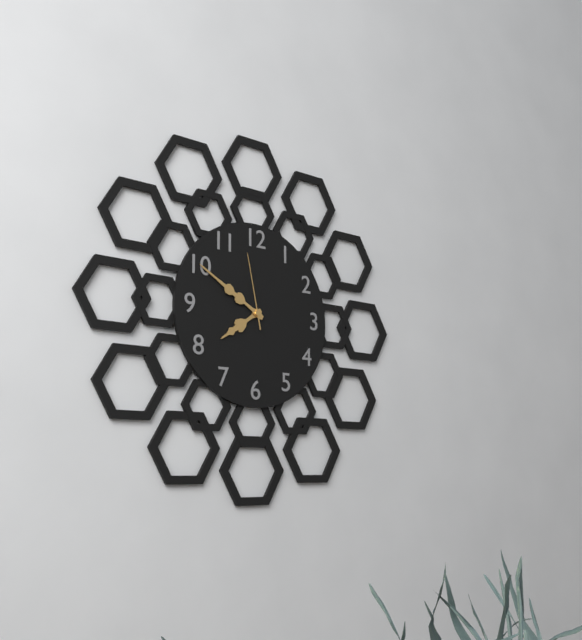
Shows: **7:50:58**
